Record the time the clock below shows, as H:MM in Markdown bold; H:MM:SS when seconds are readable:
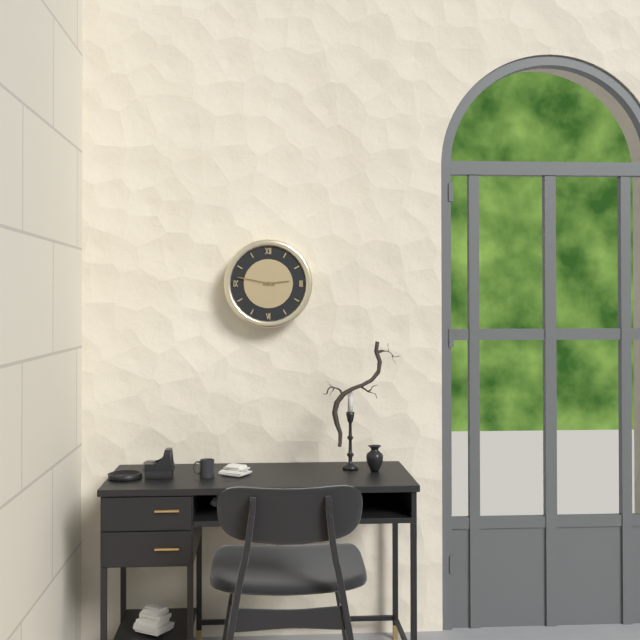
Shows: **2:47**
